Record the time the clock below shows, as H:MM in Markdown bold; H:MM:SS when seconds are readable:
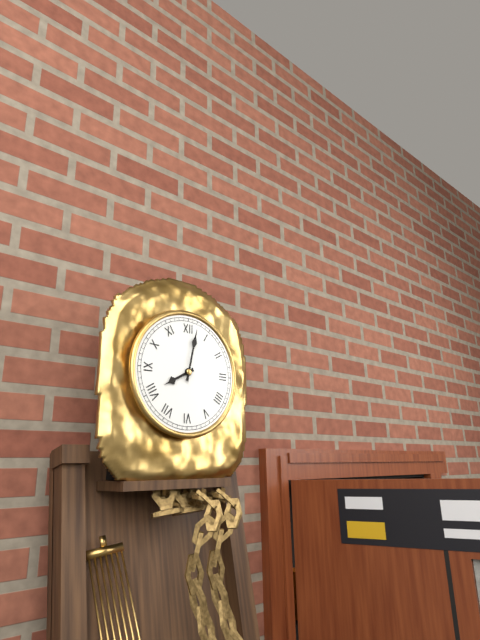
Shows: **8:02**
